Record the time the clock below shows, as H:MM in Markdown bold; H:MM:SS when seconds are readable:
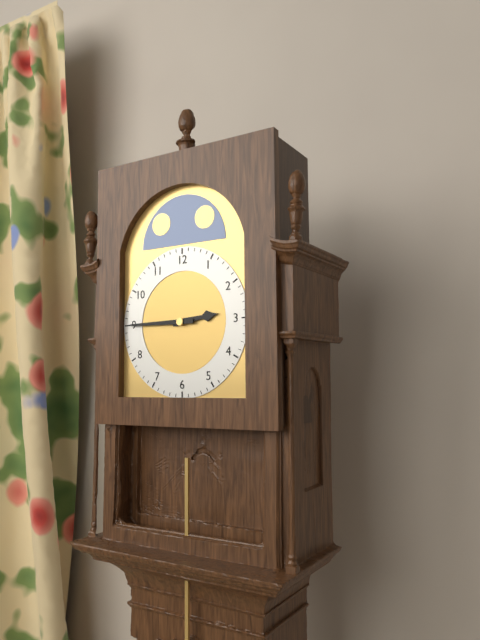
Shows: **2:45**
